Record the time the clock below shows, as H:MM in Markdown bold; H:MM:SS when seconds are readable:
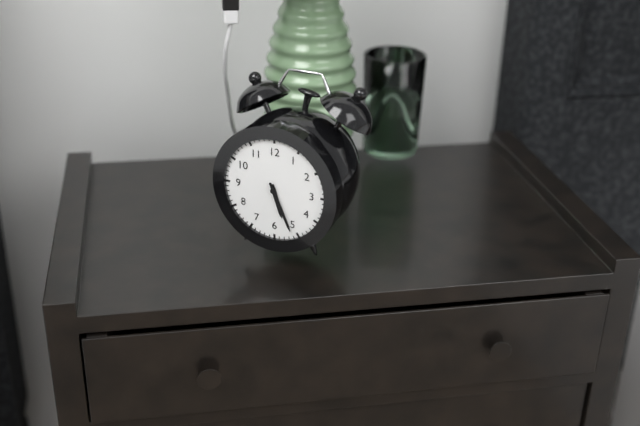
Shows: **5:26**
